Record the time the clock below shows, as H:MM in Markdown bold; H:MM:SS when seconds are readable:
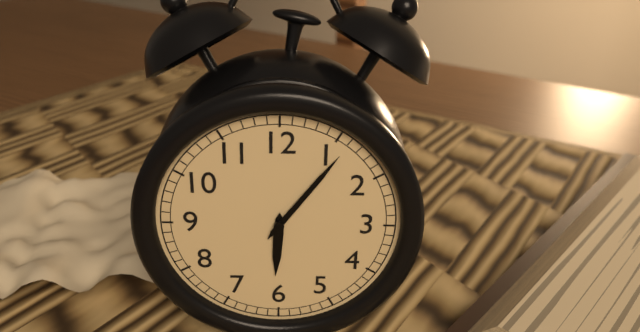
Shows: **6:06**
